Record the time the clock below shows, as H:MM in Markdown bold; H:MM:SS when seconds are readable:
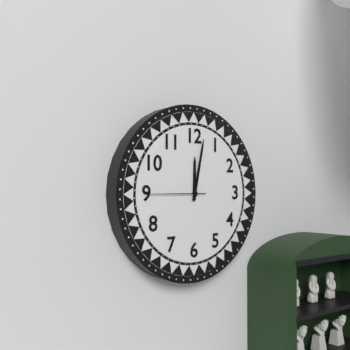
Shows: **12:02:45**
